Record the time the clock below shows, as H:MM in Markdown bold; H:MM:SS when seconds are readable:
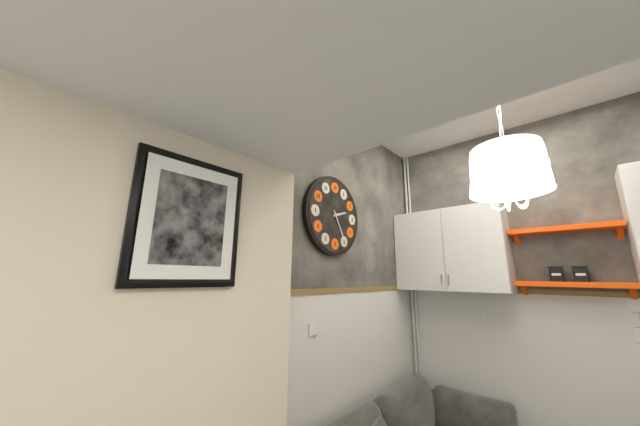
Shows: **2:25**
